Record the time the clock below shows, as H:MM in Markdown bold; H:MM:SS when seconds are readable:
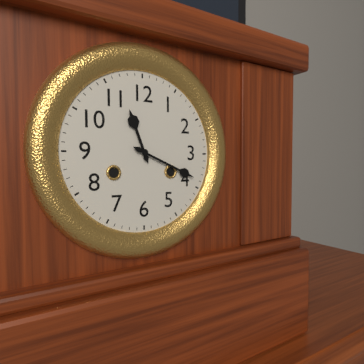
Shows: **11:19**
